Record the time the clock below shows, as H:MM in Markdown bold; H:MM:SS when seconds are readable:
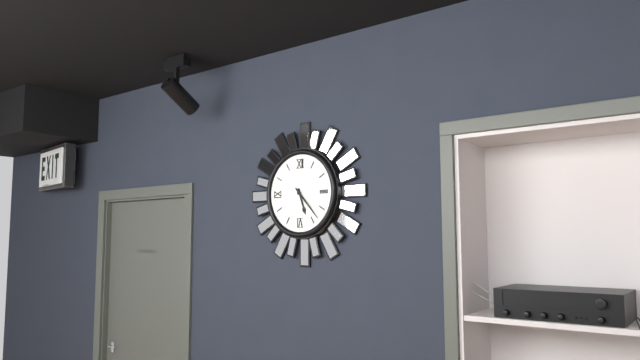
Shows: **5:23**
